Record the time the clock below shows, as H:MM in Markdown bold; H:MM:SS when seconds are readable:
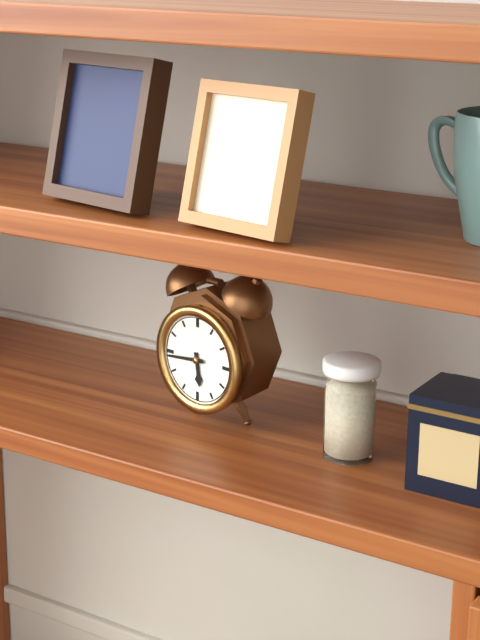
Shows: **5:44**
